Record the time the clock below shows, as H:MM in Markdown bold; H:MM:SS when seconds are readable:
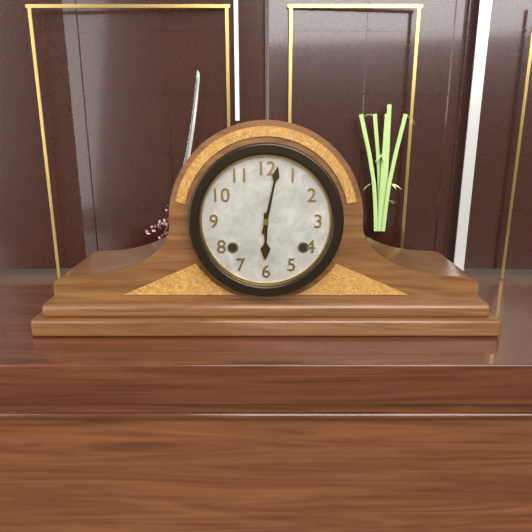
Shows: **6:02**
